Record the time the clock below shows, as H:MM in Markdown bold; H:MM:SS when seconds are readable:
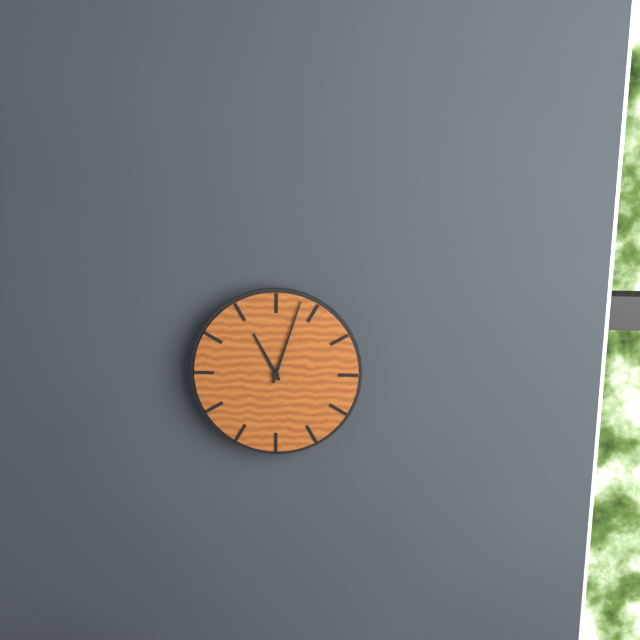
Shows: **11:03**
